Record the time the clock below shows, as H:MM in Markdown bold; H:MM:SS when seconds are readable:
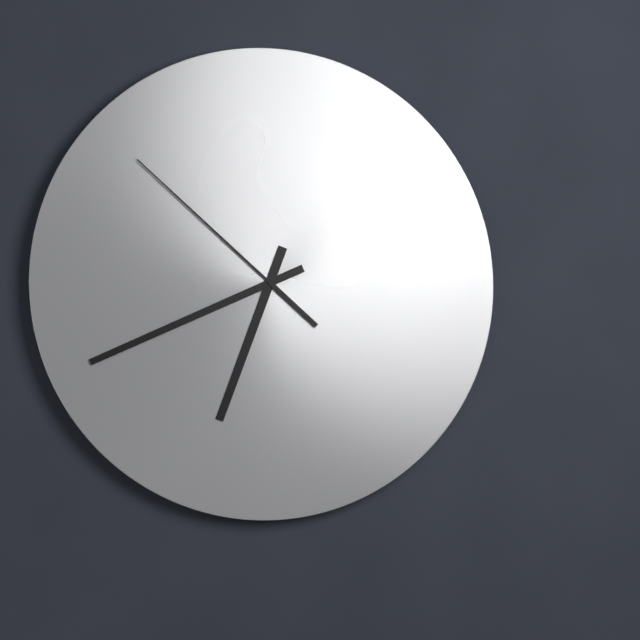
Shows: **6:41:52**
